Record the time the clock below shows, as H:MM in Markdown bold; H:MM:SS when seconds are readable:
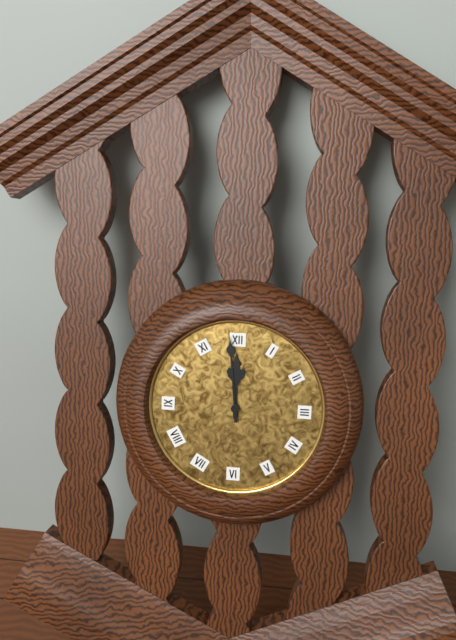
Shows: **11:59**
